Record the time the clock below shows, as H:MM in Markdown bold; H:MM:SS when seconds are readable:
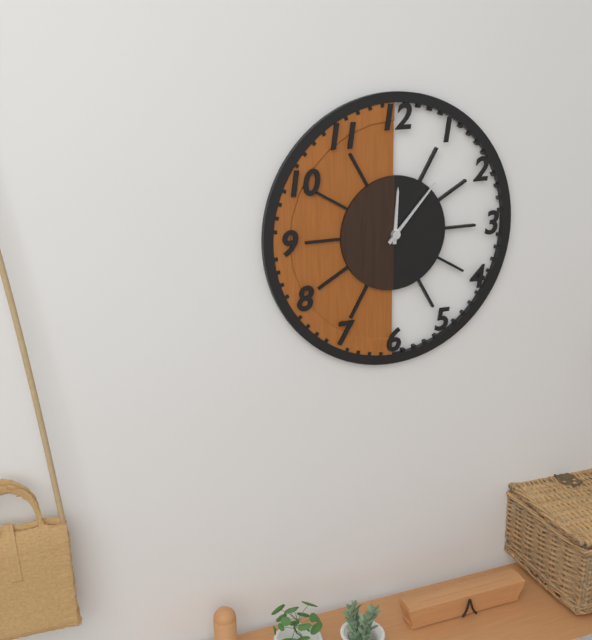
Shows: **12:07**
